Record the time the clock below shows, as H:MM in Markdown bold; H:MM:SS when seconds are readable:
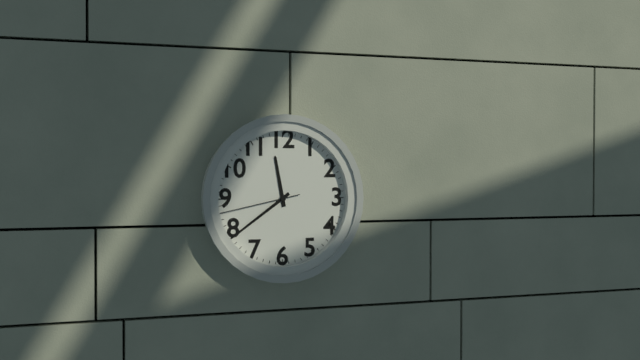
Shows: **11:39:43**
